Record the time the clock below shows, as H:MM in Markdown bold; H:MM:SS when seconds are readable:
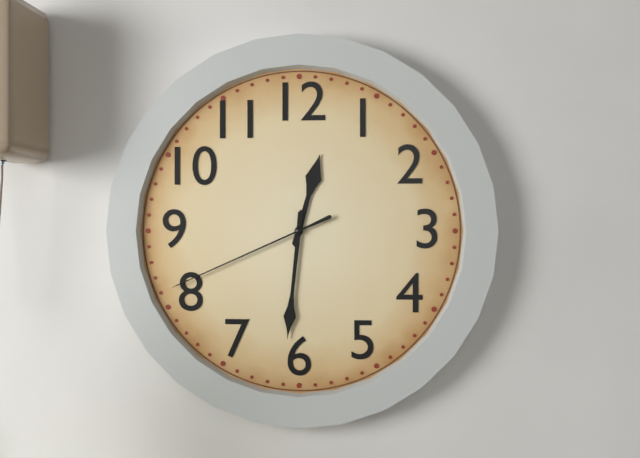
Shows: **12:31:41**
